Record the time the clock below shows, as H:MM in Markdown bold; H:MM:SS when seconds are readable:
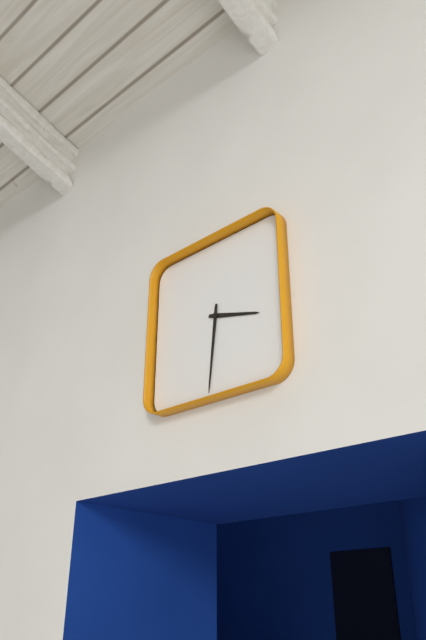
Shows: **3:31**
